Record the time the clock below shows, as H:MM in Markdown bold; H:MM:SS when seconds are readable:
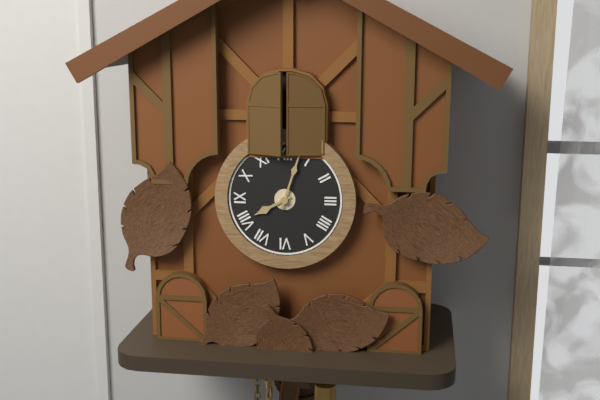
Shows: **8:03**
